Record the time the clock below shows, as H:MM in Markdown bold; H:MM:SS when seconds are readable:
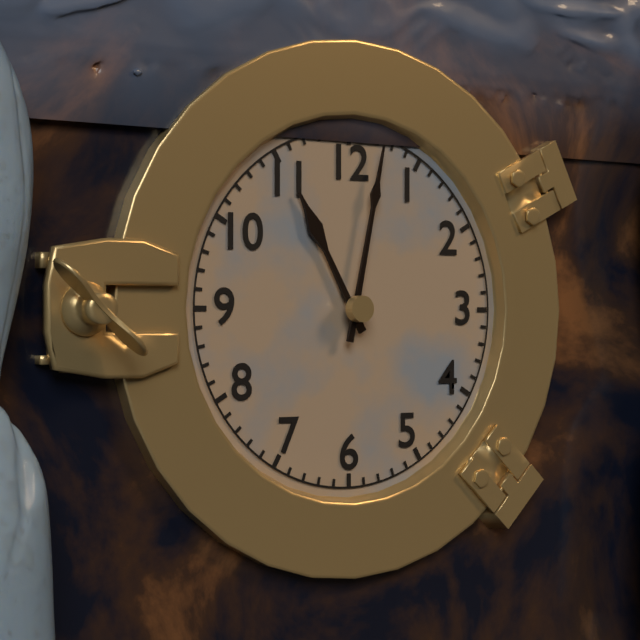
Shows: **11:02**
